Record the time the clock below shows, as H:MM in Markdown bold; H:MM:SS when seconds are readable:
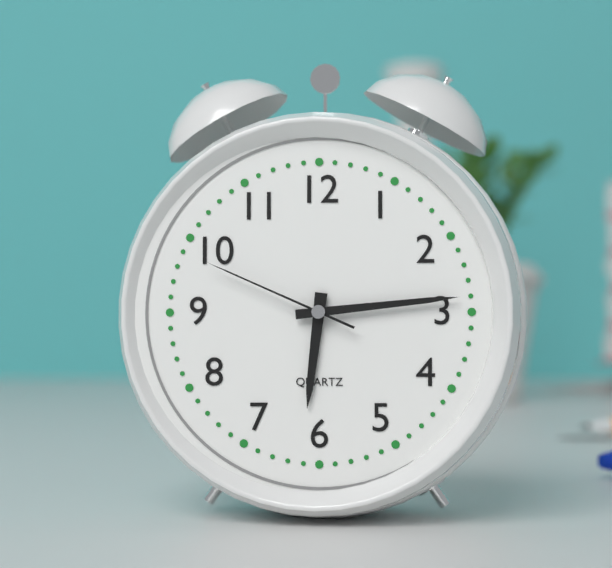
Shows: **6:14:49**
